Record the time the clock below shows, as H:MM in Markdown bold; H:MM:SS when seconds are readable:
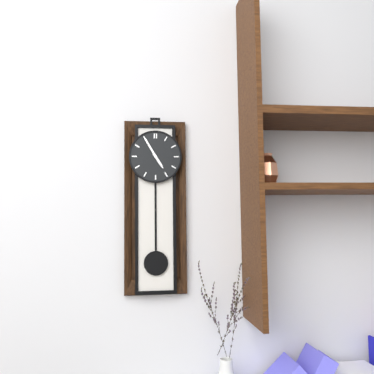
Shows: **4:55**
